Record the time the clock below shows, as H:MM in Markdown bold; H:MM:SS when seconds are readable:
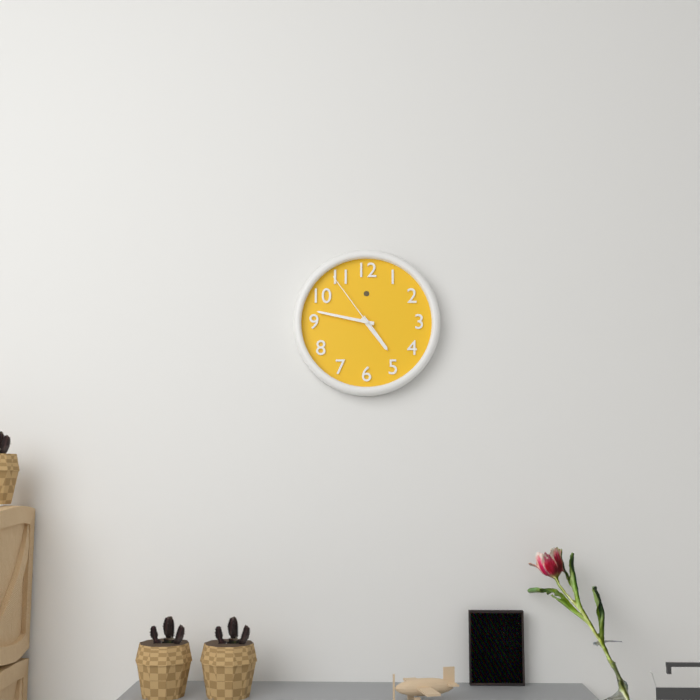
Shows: **4:47:54**
